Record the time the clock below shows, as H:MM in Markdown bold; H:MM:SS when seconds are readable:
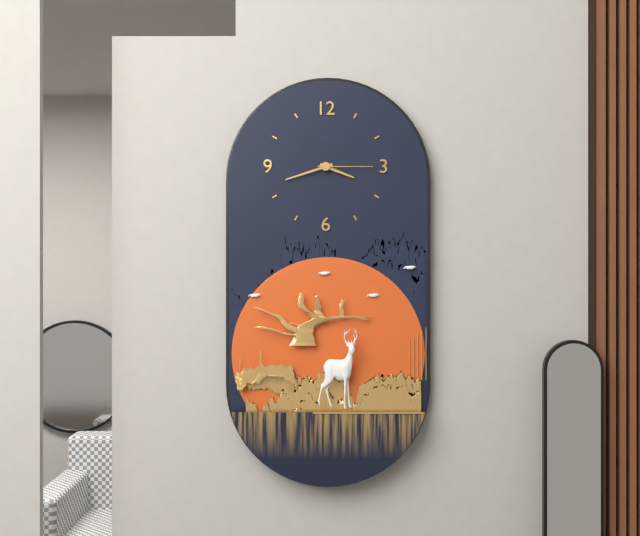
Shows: **3:42:15**
